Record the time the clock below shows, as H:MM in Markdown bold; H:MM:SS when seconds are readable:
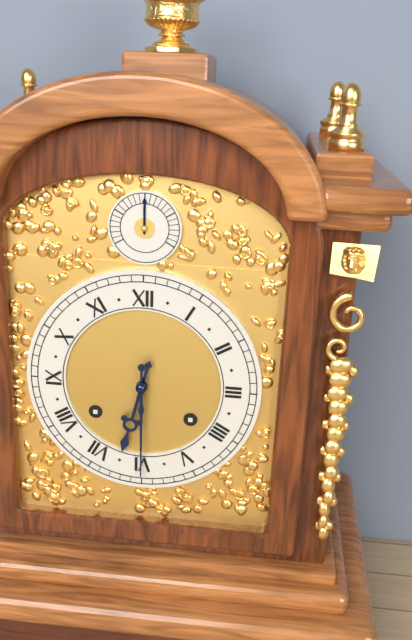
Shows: **6:30**
